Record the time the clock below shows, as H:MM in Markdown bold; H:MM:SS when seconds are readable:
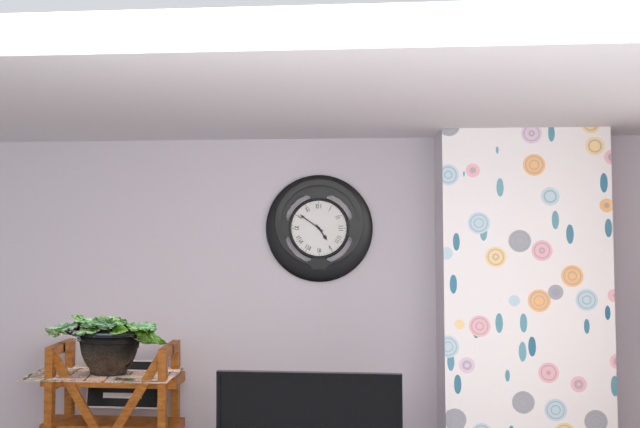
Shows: **4:51**
